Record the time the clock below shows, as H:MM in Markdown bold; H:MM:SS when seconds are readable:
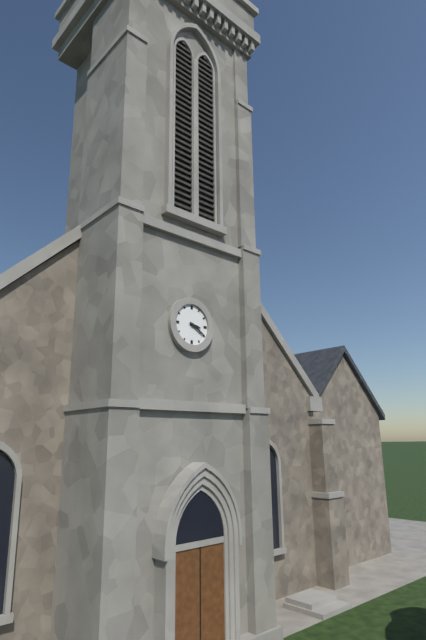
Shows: **3:20**
